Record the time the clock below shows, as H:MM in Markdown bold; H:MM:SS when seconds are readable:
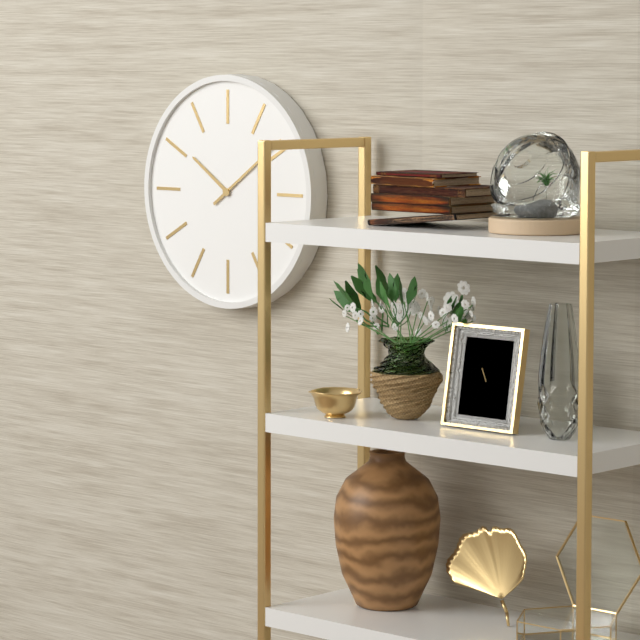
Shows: **10:09**
